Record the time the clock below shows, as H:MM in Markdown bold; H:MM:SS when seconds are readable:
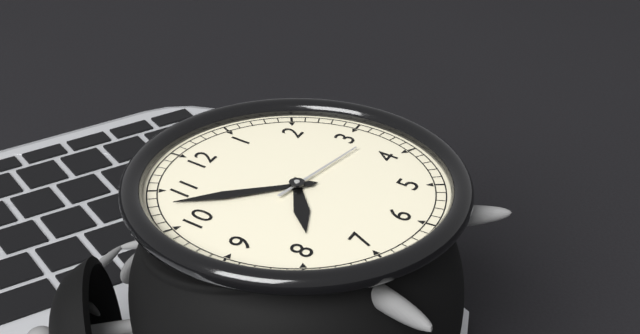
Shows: **7:53:17**
